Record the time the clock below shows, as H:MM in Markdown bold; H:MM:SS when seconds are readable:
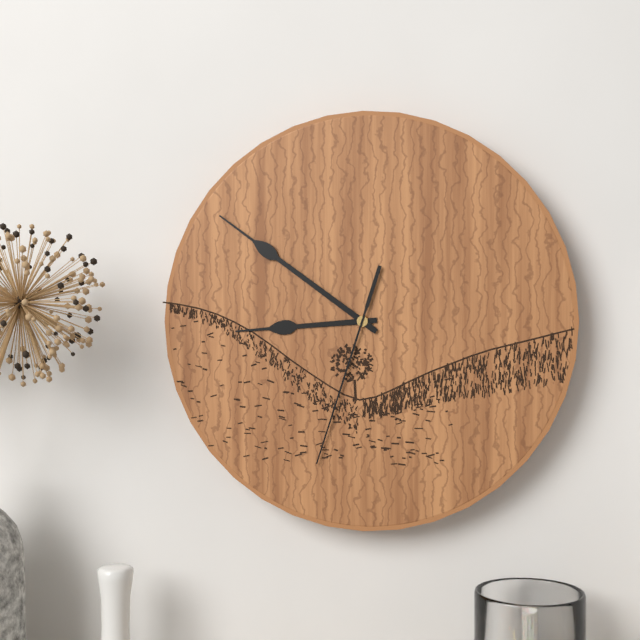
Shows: **8:51:33**
